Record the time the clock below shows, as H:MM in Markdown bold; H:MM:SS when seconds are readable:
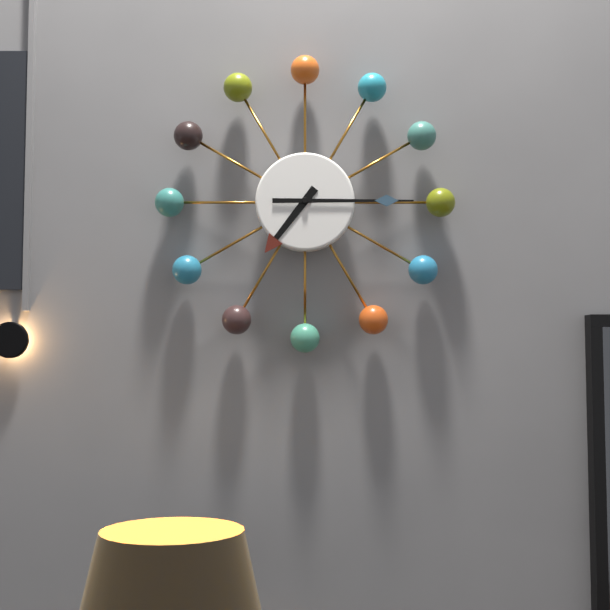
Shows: **7:15**
